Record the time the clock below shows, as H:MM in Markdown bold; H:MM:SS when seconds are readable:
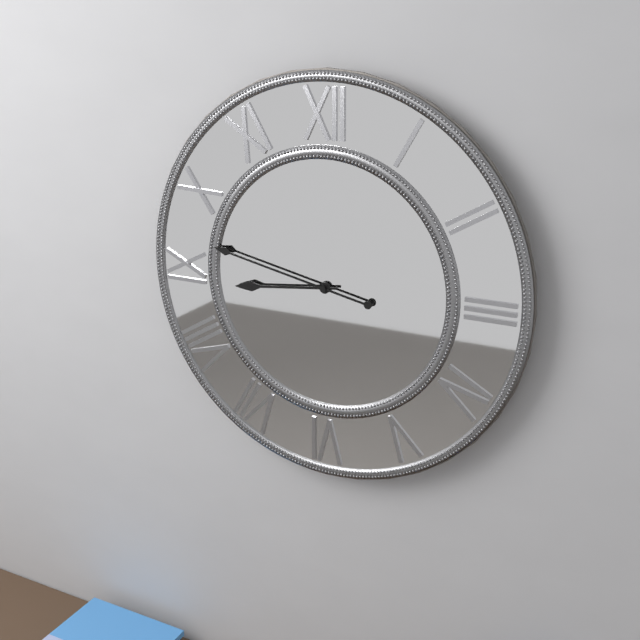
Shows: **8:47**
